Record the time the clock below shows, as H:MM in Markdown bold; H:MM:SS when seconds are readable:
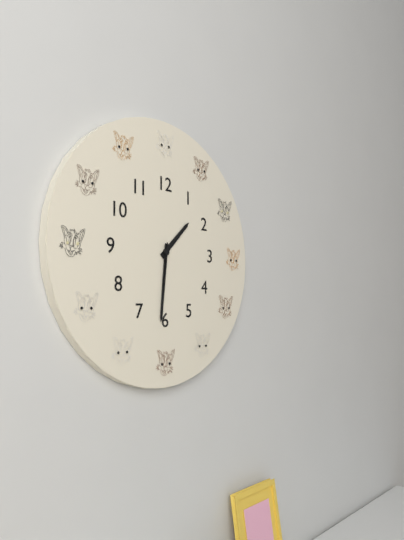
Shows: **1:31**
